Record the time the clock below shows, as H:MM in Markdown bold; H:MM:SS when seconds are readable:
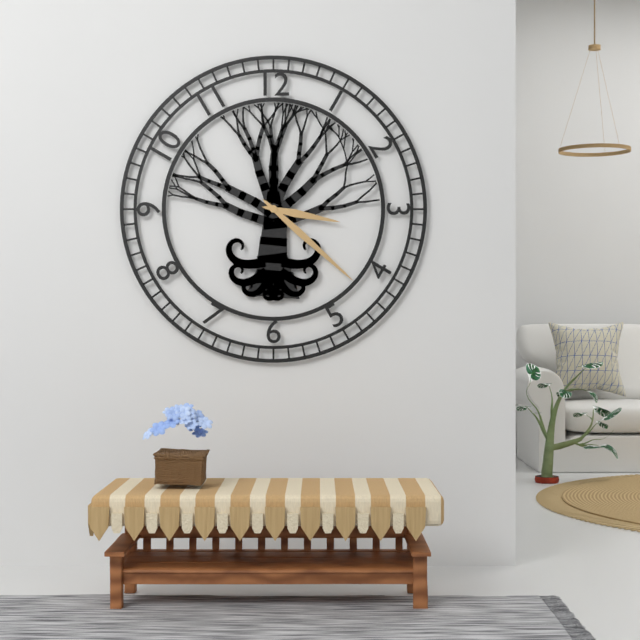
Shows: **3:22**
